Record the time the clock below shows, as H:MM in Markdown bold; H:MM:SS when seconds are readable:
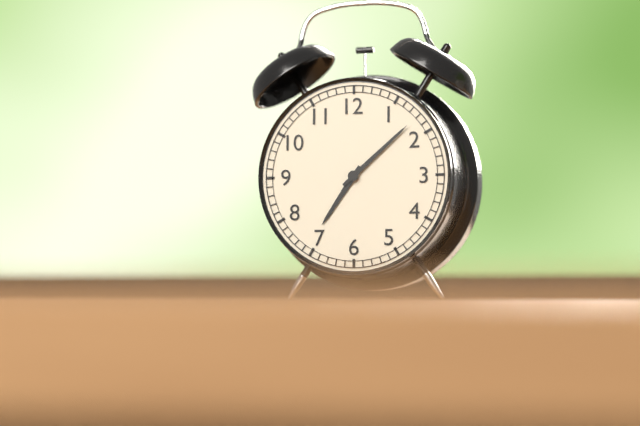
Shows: **7:08**
